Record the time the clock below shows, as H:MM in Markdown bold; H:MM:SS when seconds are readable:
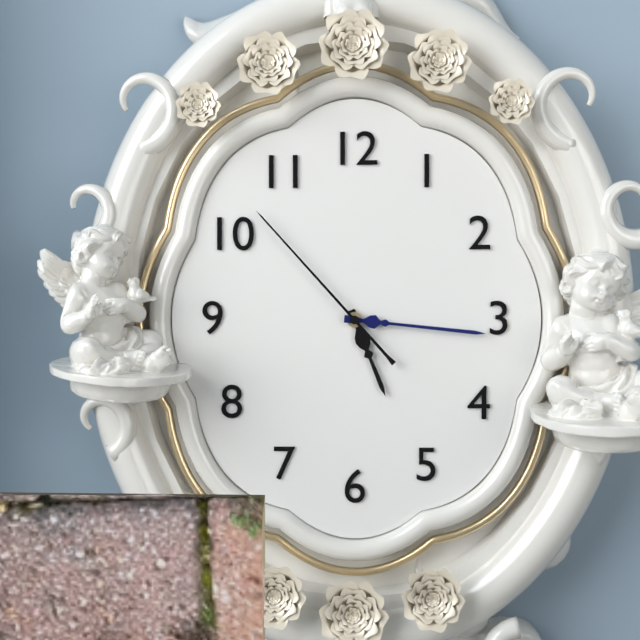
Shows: **5:16:53**
